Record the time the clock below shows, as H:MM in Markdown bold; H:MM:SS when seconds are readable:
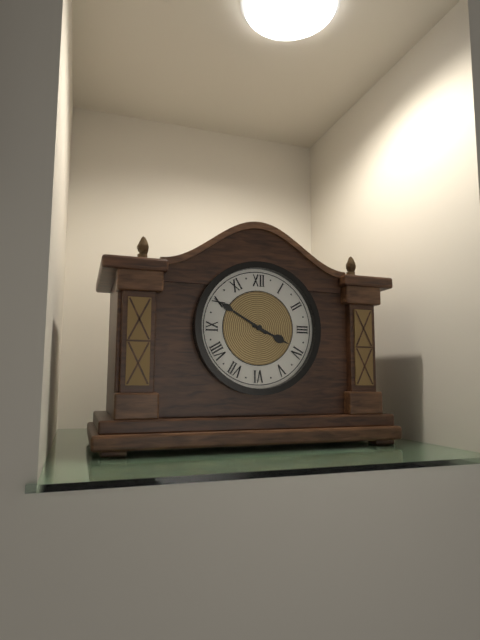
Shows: **3:50**
